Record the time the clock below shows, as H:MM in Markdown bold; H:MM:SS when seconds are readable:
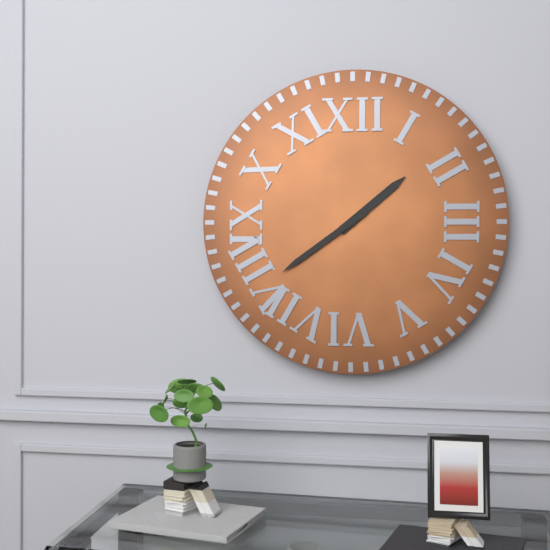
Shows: **1:39**
